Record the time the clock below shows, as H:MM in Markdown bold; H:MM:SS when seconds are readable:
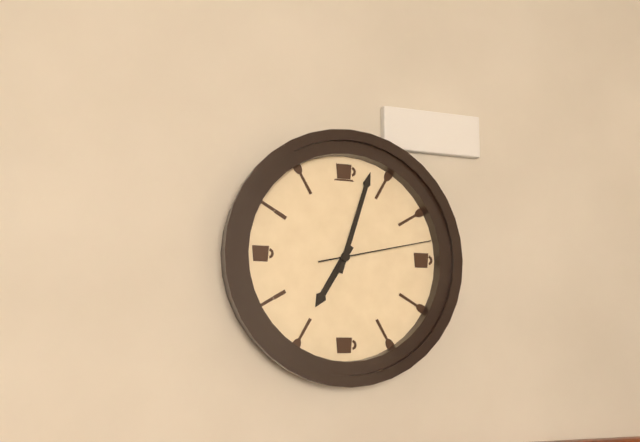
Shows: **7:03:13**
